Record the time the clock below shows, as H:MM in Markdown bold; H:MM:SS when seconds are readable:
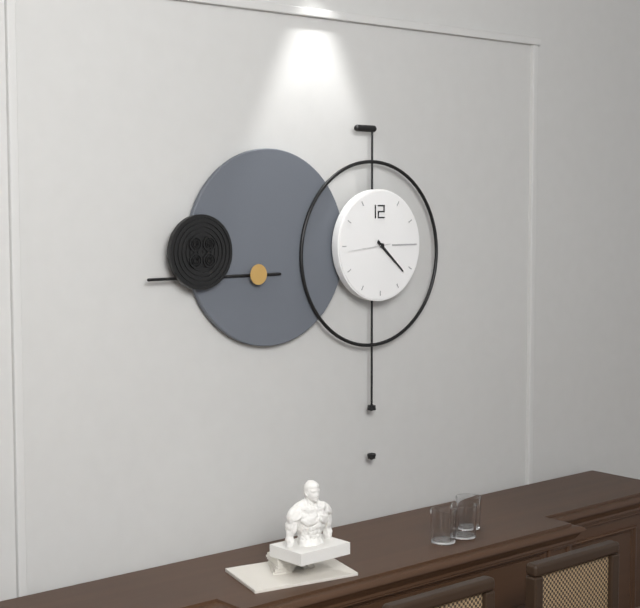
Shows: **4:22**
